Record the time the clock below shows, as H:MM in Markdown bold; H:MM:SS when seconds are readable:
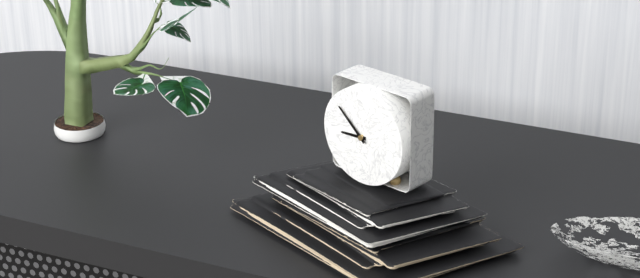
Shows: **8:52**
